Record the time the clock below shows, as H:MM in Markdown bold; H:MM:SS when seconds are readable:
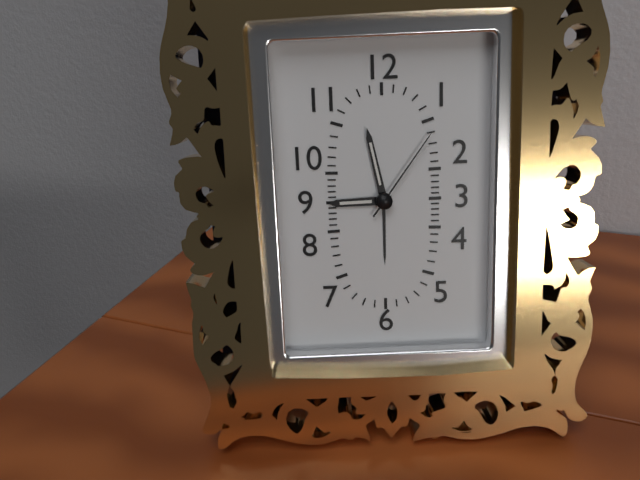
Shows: **8:58:06**
